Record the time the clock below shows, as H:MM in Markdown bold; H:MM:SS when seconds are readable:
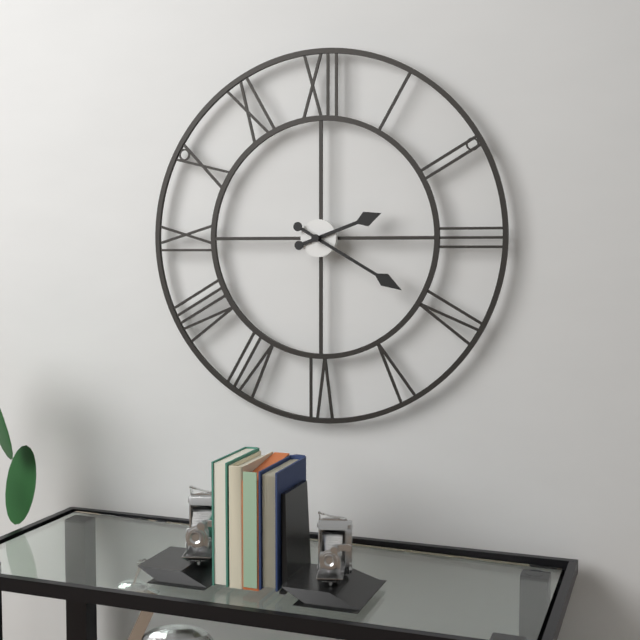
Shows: **2:20**
